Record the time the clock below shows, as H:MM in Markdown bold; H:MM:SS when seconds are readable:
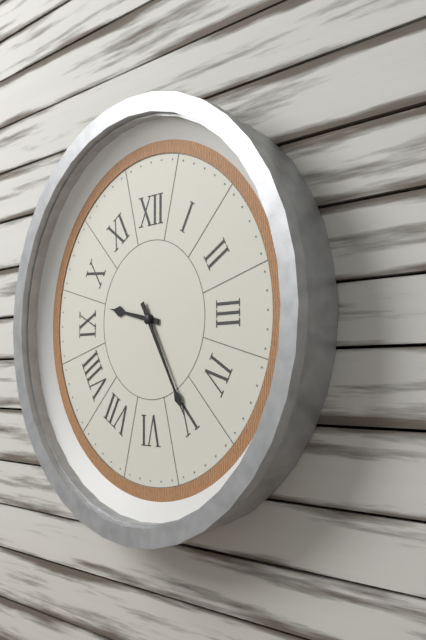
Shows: **9:25**
